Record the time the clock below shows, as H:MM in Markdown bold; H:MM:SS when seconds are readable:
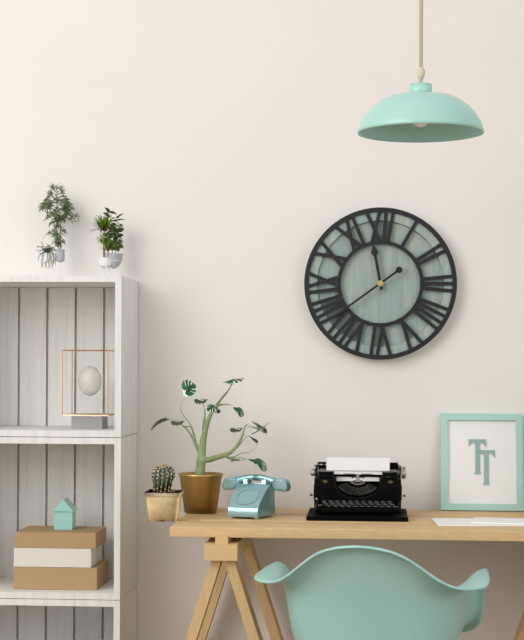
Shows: **11:39**
